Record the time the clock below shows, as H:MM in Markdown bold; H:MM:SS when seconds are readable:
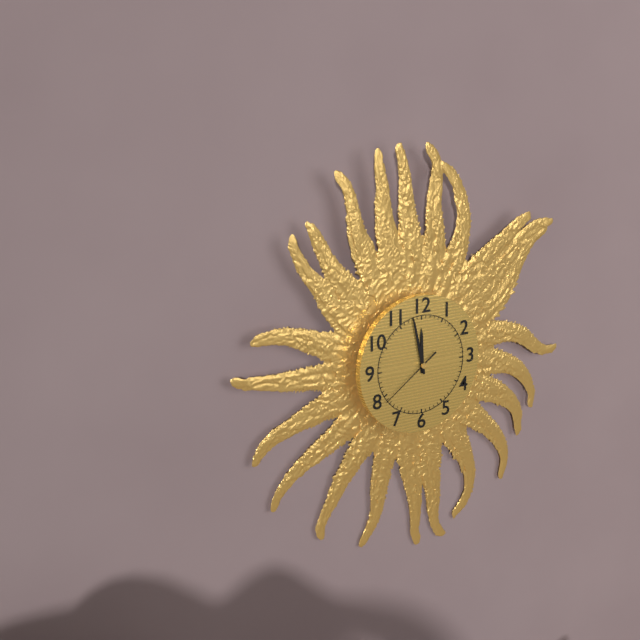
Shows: **11:58:39**
